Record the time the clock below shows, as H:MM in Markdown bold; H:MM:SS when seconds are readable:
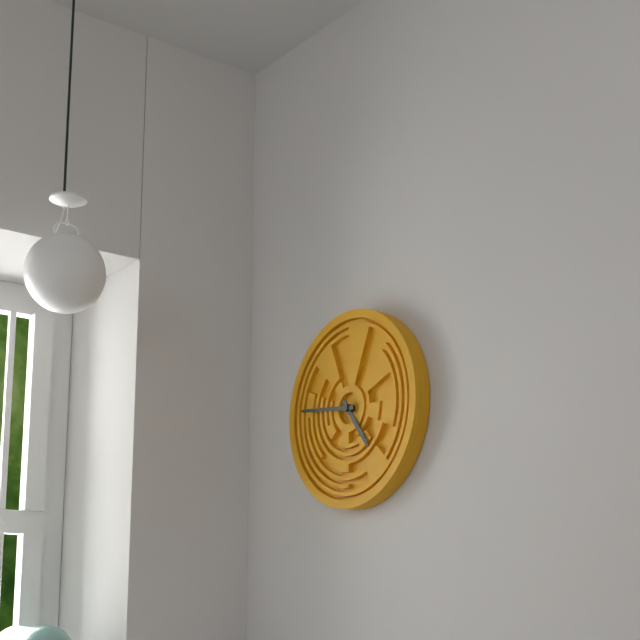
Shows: **4:46**
